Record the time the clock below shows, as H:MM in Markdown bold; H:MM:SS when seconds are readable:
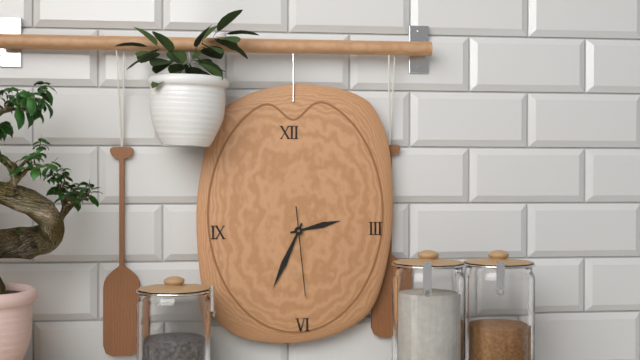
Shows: **2:34:29**
